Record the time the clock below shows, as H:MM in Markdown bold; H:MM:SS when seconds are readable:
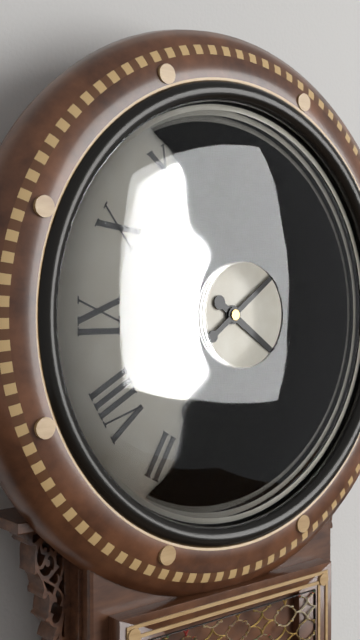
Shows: **4:09**
